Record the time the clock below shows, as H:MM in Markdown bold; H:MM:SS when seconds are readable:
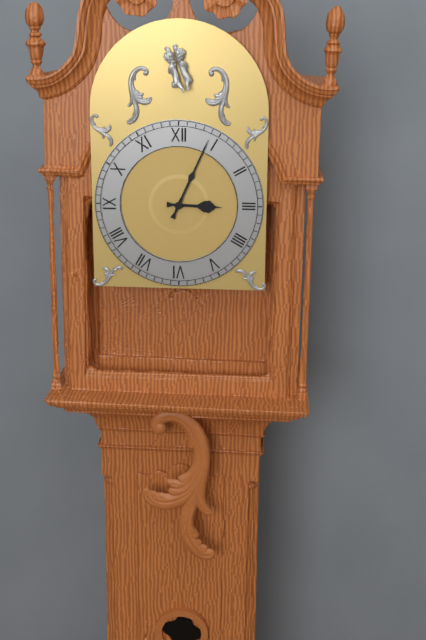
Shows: **3:04**
